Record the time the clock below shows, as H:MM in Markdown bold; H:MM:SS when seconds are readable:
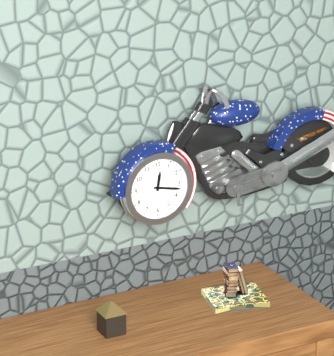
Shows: **12:17**
